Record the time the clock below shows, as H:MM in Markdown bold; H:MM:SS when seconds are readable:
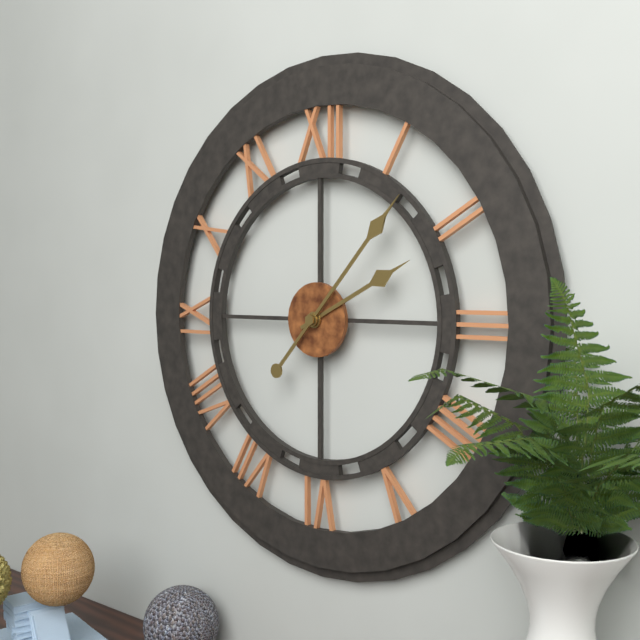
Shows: **2:07**
